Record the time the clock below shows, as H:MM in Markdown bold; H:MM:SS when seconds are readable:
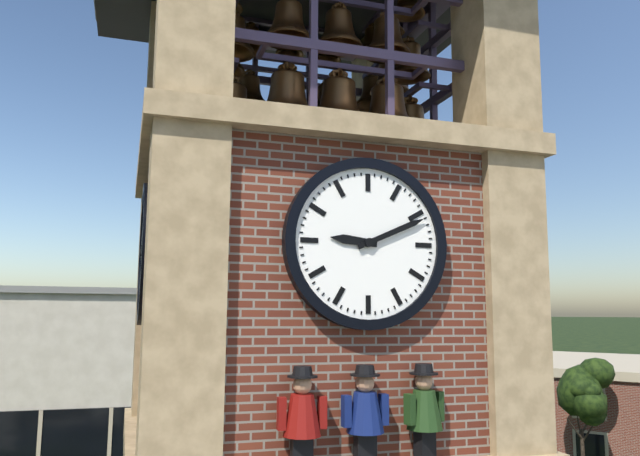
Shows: **9:11**
